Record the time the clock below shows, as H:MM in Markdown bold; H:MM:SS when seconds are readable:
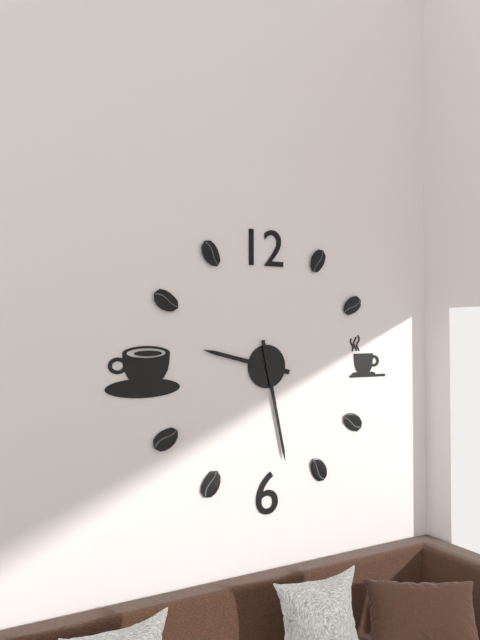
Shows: **9:28**
